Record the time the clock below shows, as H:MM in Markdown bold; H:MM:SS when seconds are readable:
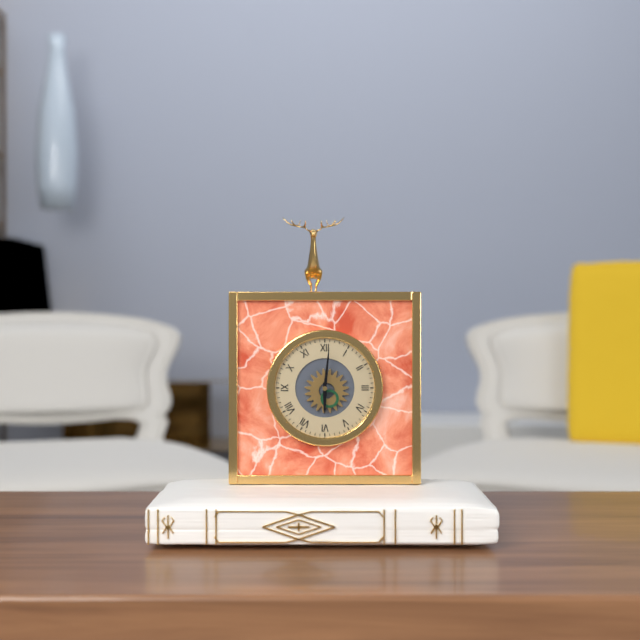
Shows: **6:01**
